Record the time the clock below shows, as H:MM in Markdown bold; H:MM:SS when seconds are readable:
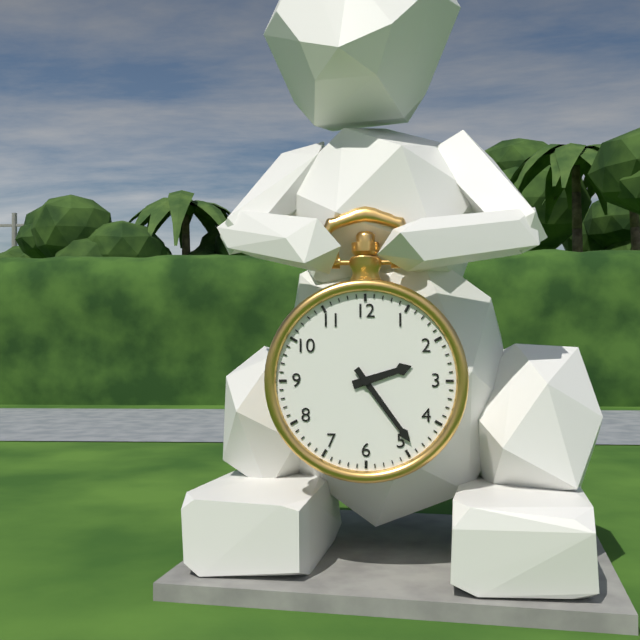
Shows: **2:24**
